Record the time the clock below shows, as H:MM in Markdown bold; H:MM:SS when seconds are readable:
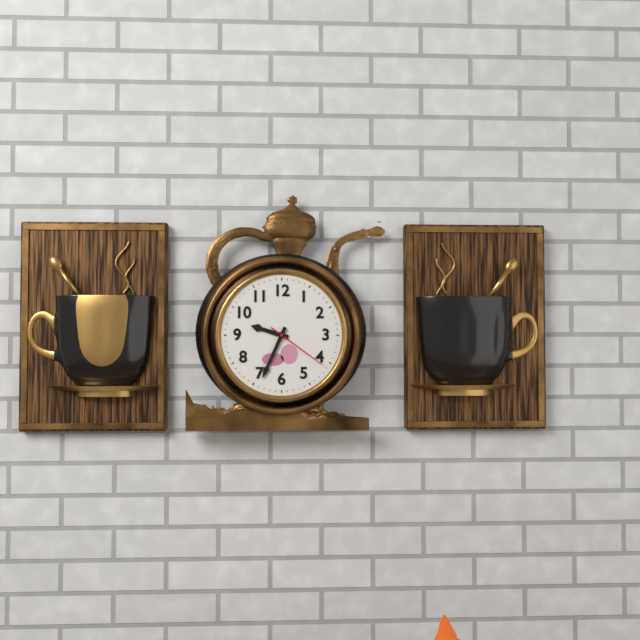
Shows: **9:34:21**
